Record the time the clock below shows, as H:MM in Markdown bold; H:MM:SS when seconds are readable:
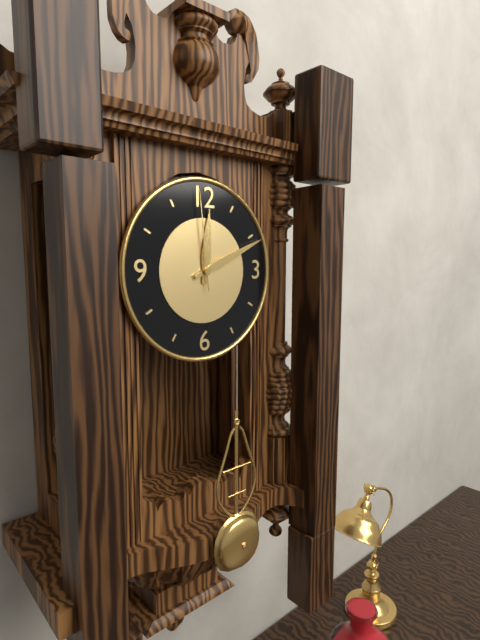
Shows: **12:11:59**
